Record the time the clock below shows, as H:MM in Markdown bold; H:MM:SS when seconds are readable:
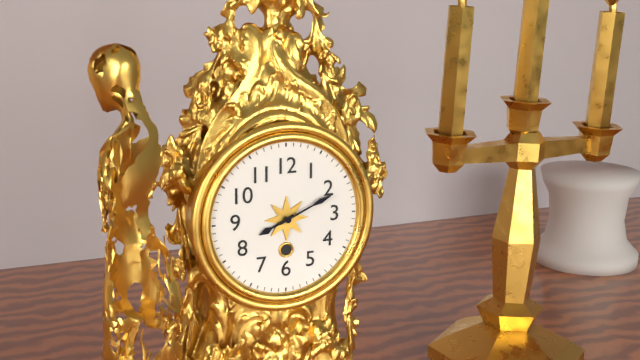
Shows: **8:11**
